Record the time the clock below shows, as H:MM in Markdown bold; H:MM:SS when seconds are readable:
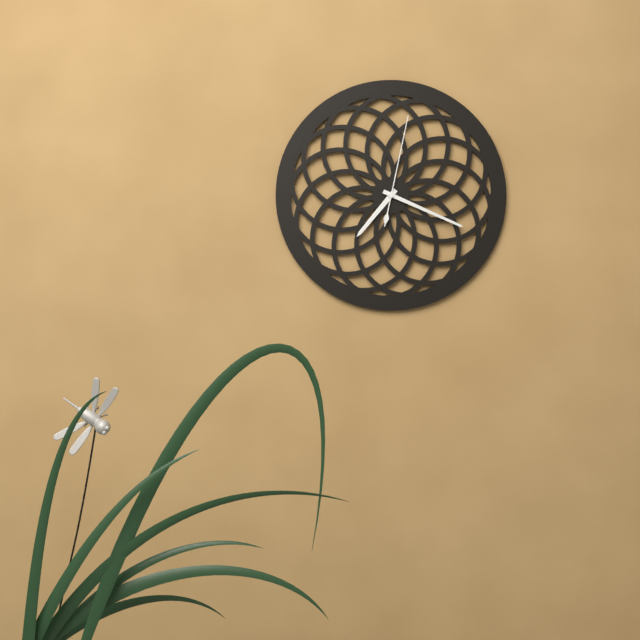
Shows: **7:19:02**
